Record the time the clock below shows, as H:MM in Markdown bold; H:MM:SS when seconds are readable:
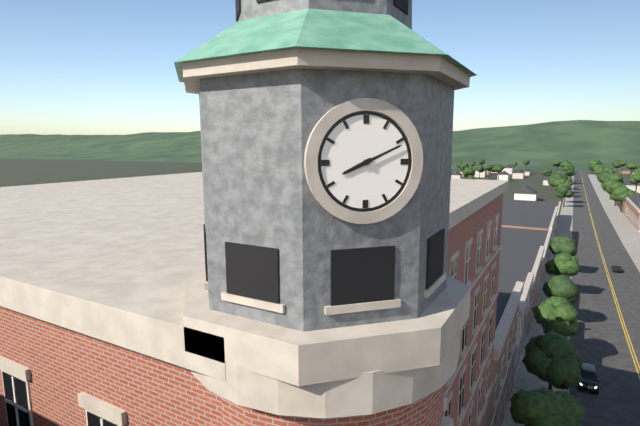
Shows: **8:11**
